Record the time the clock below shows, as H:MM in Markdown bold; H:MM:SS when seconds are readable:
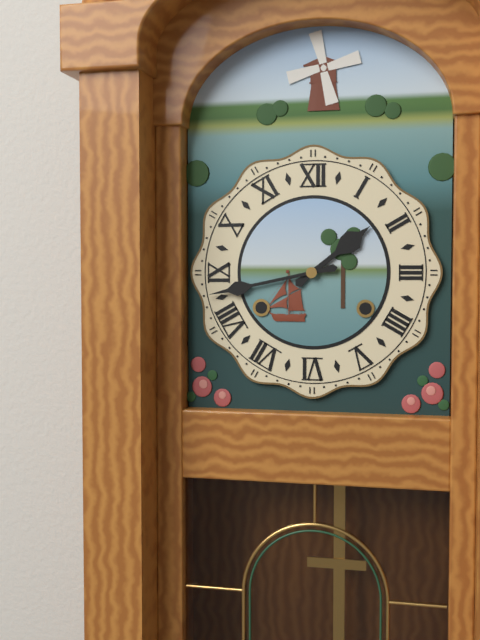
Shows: **1:43**
